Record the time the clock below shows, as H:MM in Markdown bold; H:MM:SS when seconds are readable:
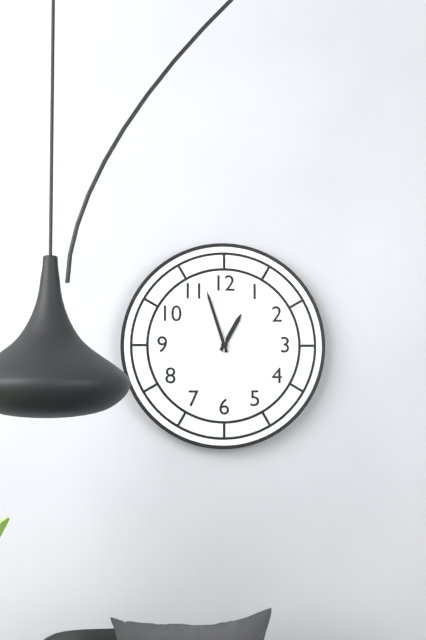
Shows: **12:57:01**
